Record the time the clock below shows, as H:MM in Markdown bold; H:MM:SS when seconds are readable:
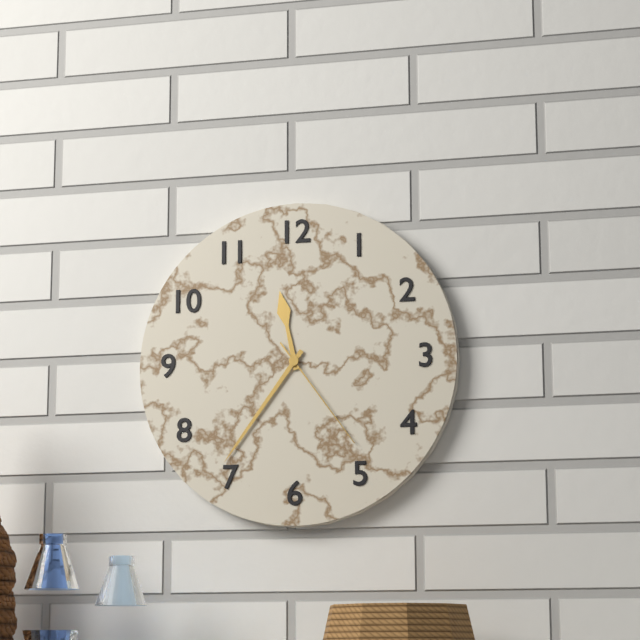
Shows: **11:36:24**
